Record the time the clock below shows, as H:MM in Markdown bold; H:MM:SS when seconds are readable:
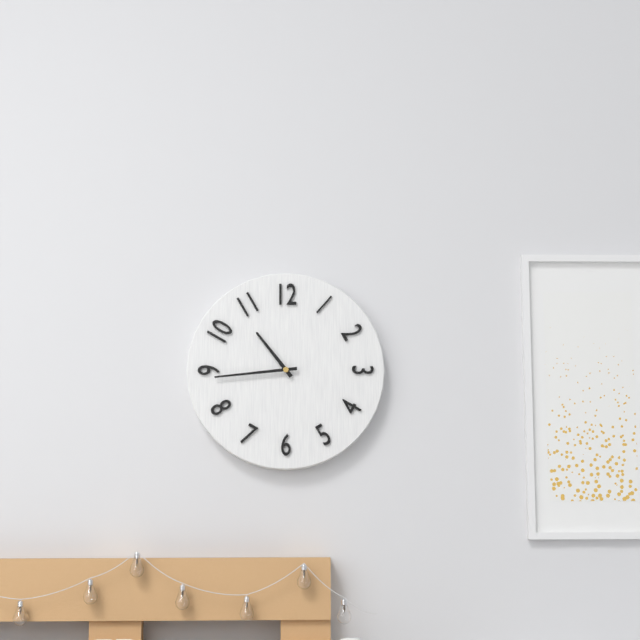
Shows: **10:44**
